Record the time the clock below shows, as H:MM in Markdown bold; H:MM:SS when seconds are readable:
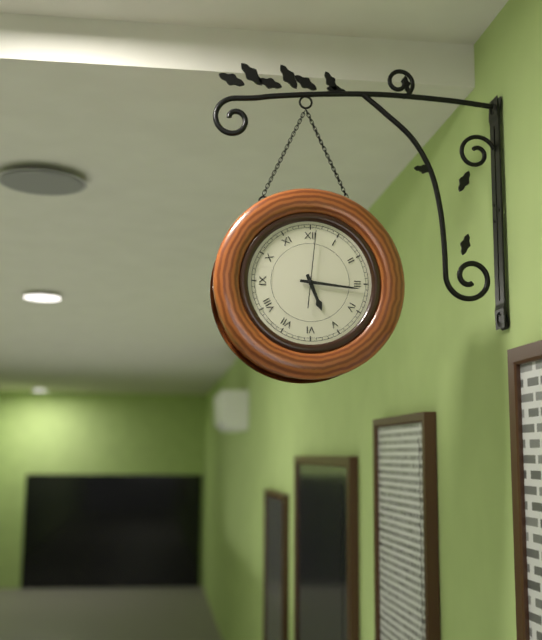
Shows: **5:16:01**
